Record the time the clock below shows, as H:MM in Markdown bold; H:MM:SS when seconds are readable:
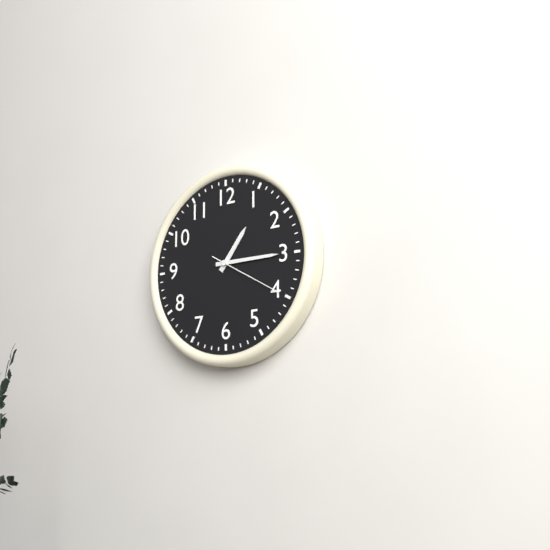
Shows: **1:15:20**
